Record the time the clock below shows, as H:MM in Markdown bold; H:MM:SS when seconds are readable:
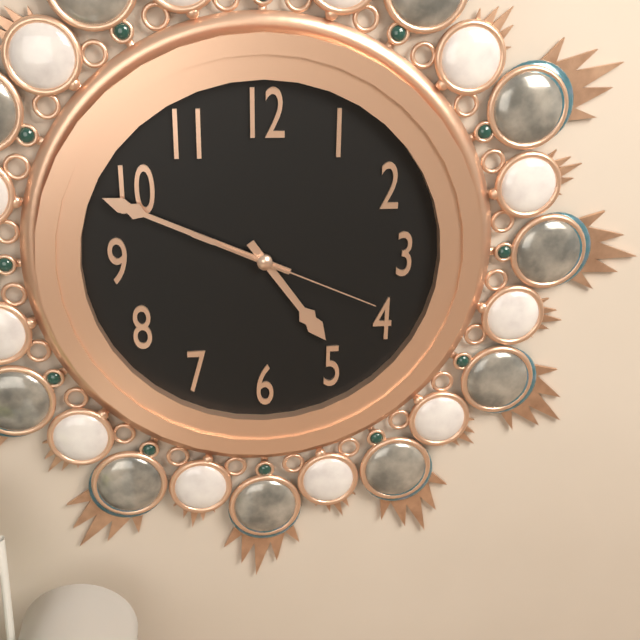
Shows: **4:49:19**
